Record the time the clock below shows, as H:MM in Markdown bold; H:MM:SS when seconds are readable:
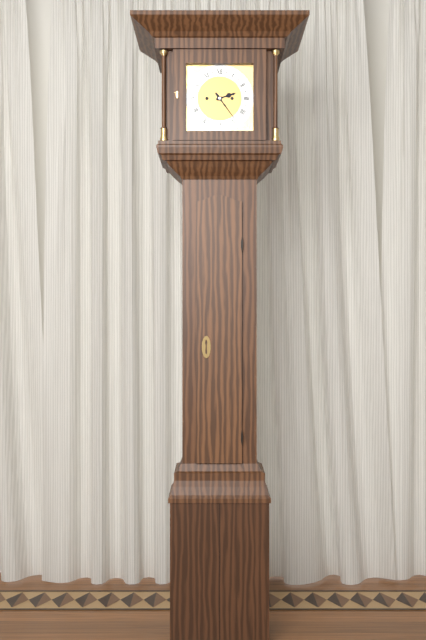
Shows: **2:24**
